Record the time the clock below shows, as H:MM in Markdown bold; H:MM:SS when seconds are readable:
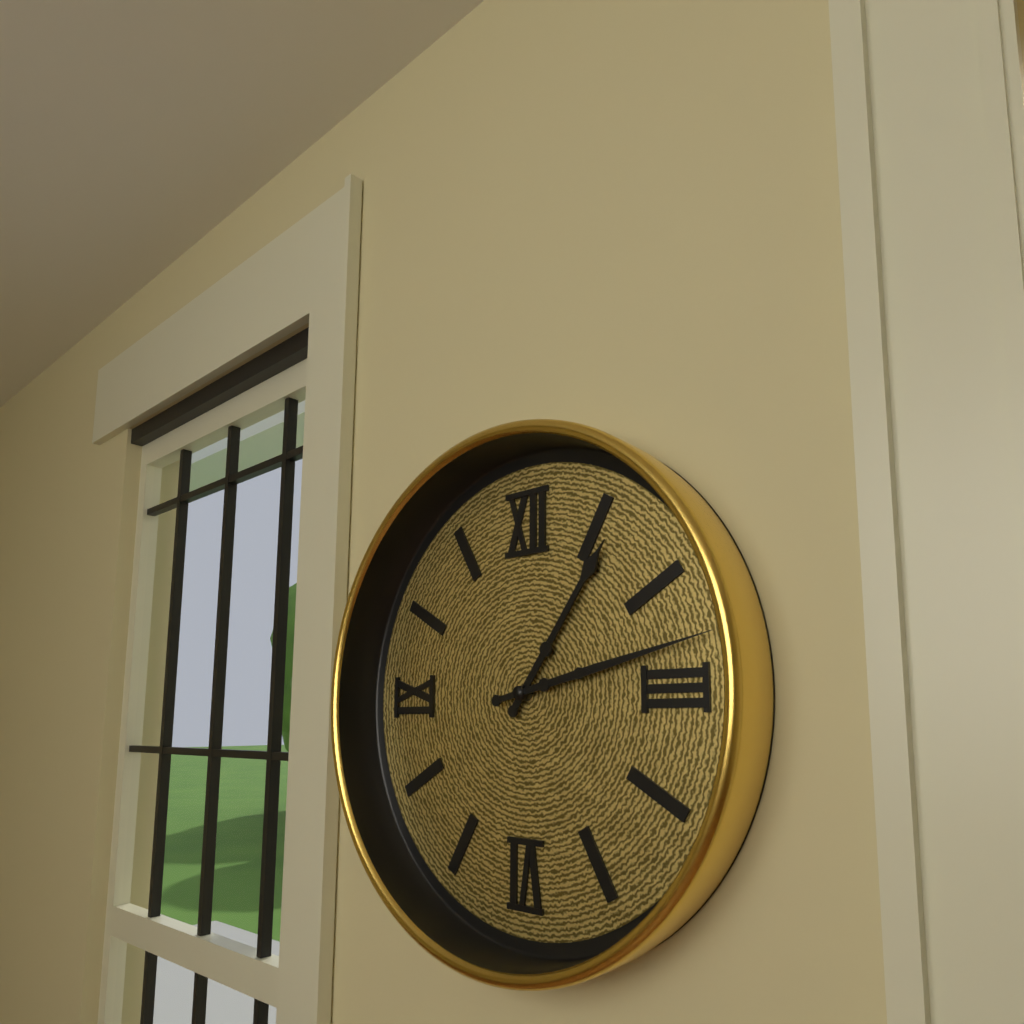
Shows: **1:13**
